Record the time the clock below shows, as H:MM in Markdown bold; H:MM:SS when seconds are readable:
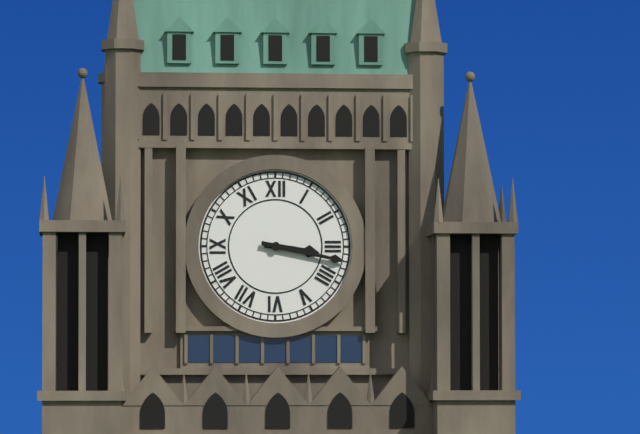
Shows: **3:17**
